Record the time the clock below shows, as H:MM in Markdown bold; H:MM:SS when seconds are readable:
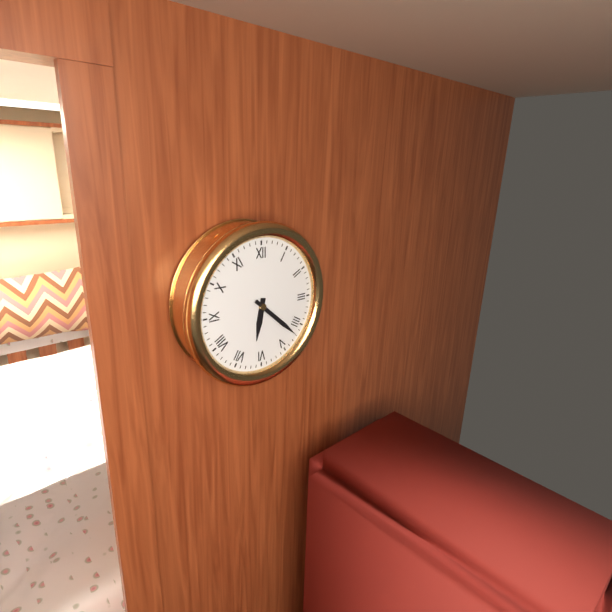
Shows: **6:22**
